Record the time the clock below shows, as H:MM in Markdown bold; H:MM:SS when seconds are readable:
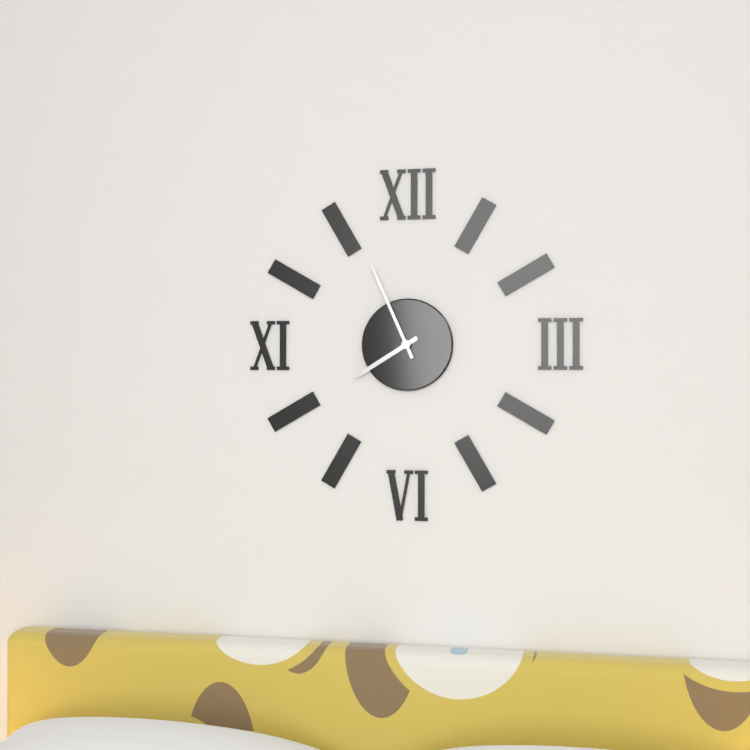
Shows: **7:56**
